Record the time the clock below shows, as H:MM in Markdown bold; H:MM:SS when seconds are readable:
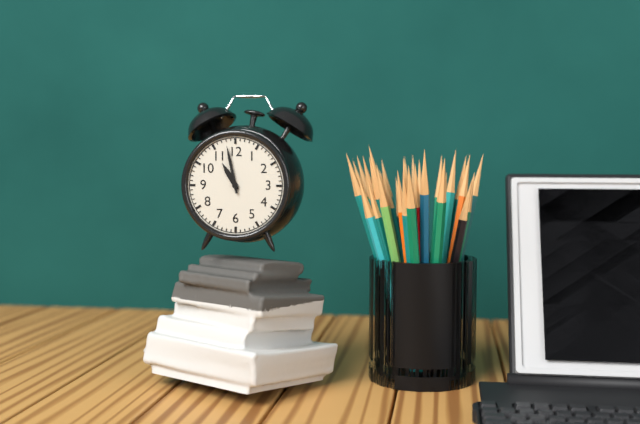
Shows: **10:58**
